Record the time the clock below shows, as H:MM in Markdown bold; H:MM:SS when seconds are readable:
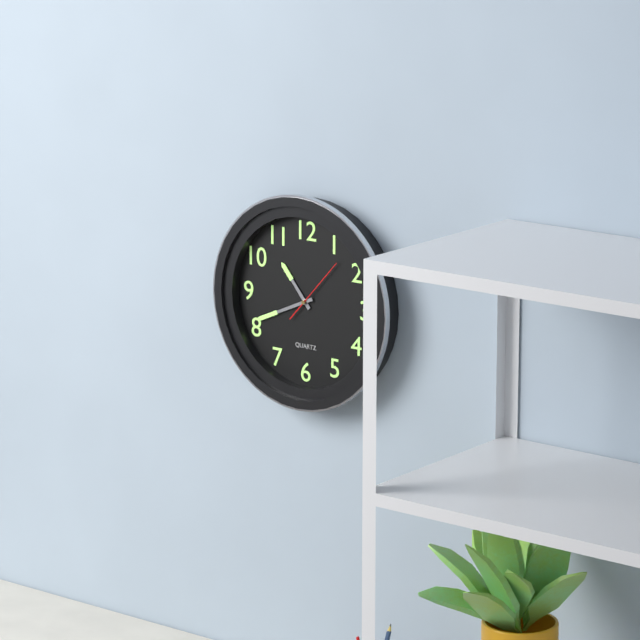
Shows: **10:41:07**
